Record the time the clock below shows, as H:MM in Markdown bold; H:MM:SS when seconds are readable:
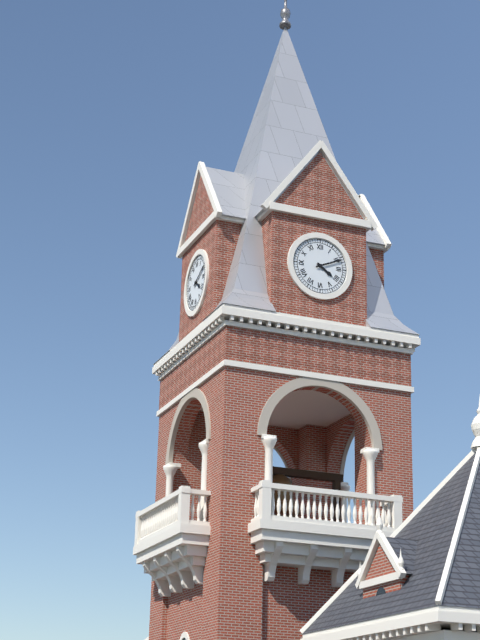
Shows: **4:11**
